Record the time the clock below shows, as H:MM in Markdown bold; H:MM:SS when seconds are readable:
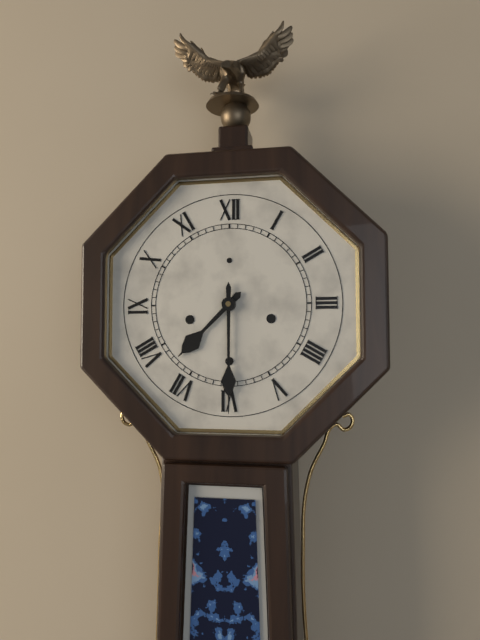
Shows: **7:30**
